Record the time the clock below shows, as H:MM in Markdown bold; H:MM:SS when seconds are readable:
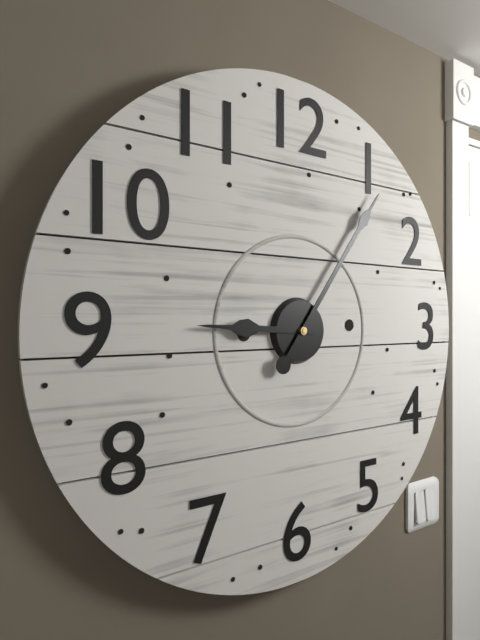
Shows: **9:06**
